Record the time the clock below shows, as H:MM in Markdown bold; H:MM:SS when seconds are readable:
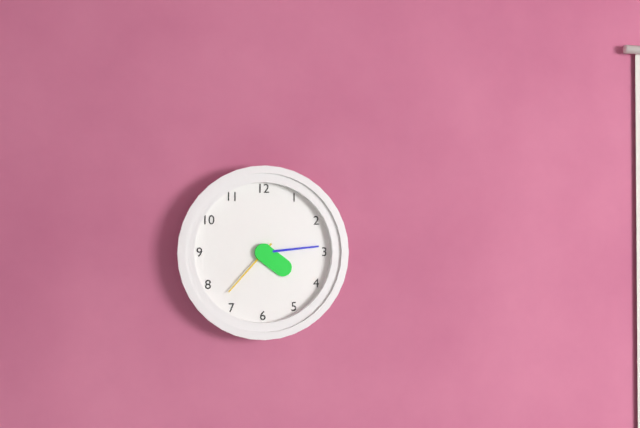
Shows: **4:14:37**
